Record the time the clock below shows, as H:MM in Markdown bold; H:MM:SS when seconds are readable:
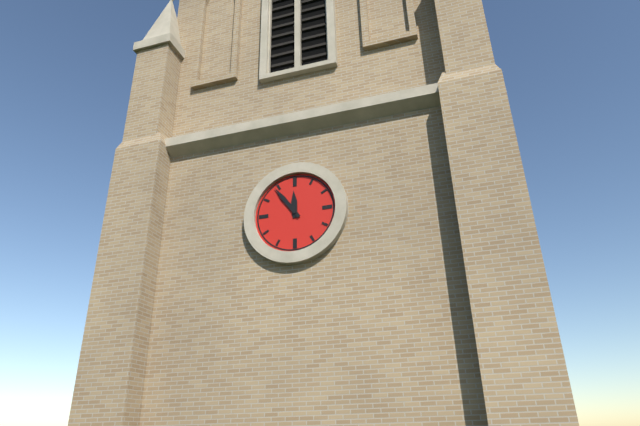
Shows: **11:54**
